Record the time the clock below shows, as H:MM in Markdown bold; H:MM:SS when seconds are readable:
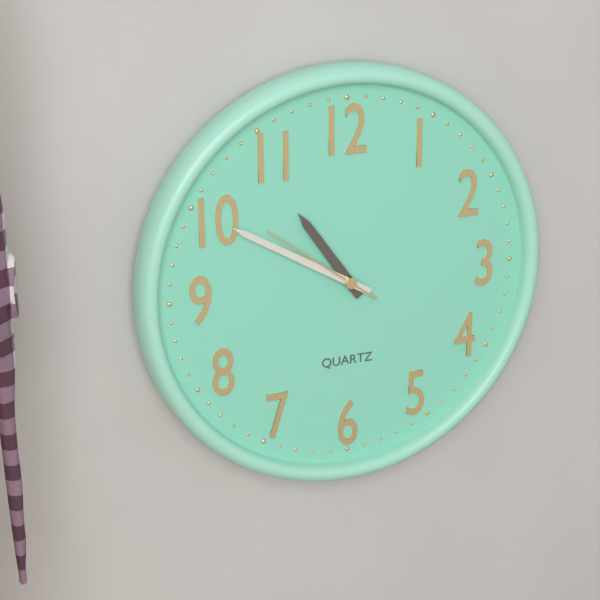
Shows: **10:50:51**
